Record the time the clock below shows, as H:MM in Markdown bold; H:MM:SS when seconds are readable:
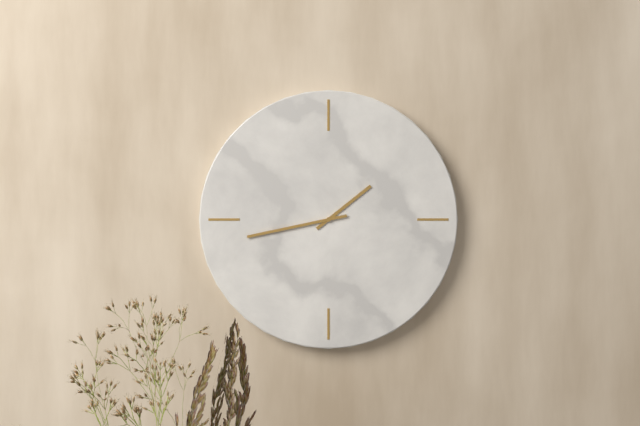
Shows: **1:43**
